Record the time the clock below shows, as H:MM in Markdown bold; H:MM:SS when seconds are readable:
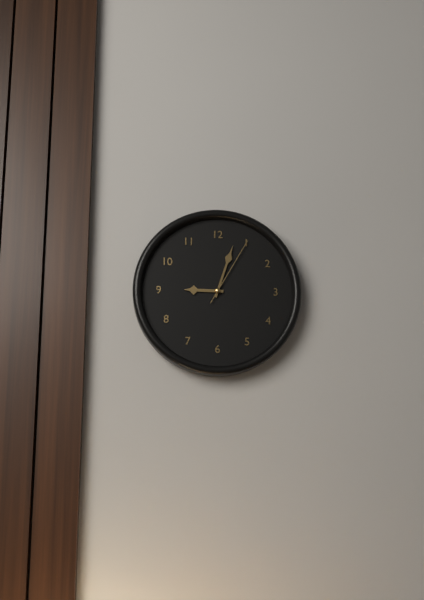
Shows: **9:03:05**
